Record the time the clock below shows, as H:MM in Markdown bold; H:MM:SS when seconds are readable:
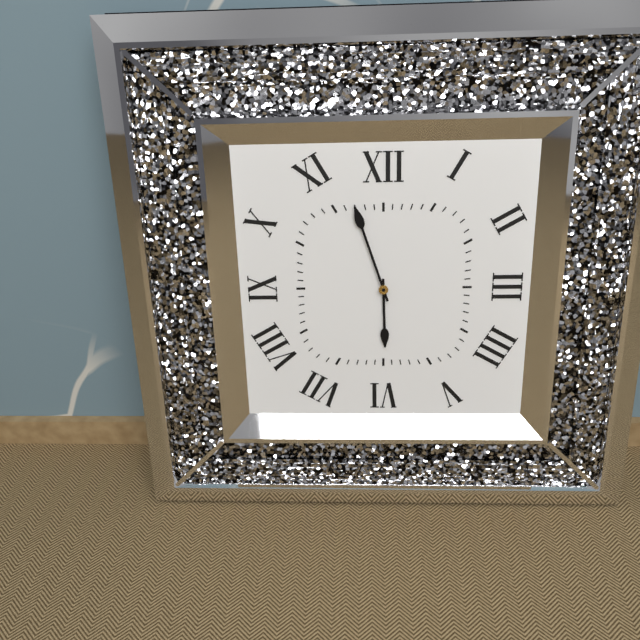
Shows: **5:57**
